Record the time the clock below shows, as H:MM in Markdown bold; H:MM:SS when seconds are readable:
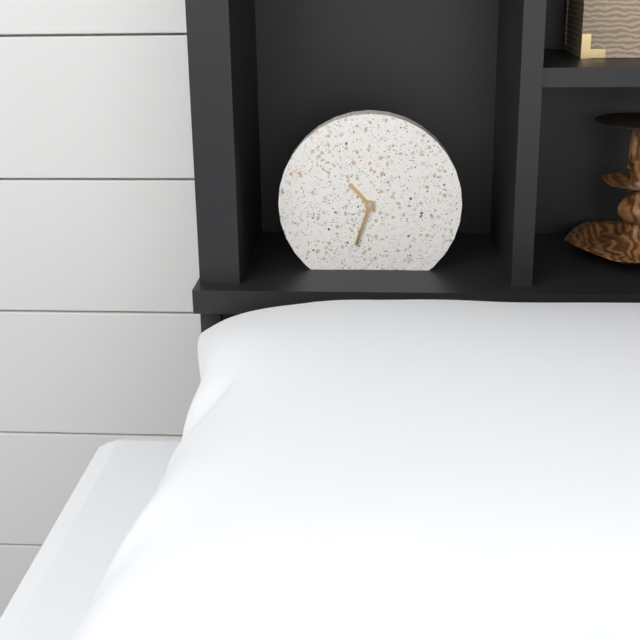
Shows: **10:33**
